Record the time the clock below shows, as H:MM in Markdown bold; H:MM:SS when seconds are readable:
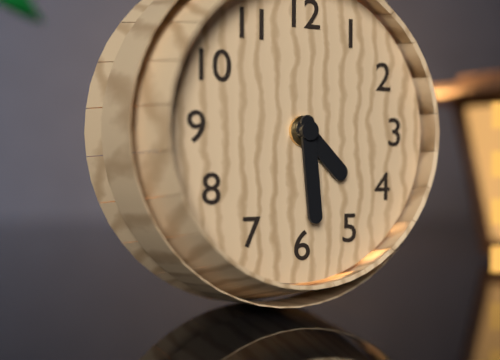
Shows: **4:29**
